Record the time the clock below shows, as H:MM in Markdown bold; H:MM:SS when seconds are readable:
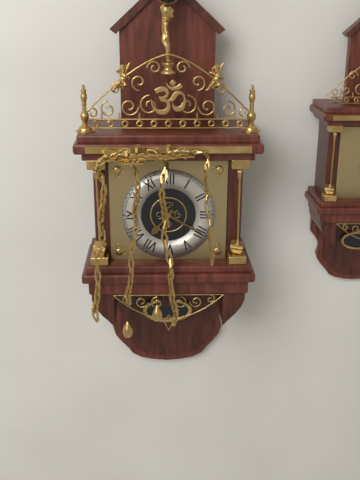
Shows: **7:20**
